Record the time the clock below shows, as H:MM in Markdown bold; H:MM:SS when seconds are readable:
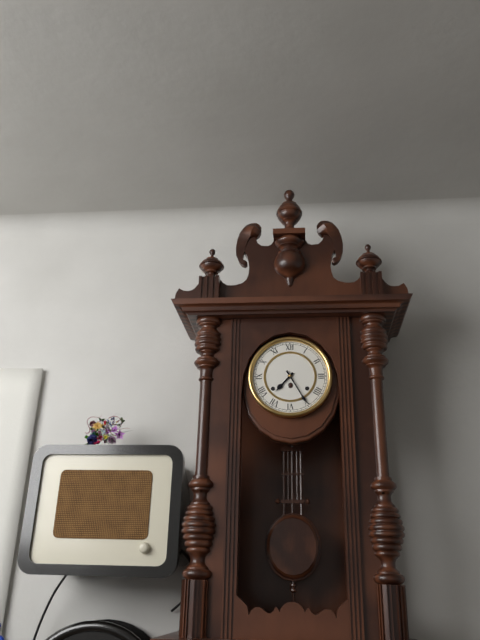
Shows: **7:25**
